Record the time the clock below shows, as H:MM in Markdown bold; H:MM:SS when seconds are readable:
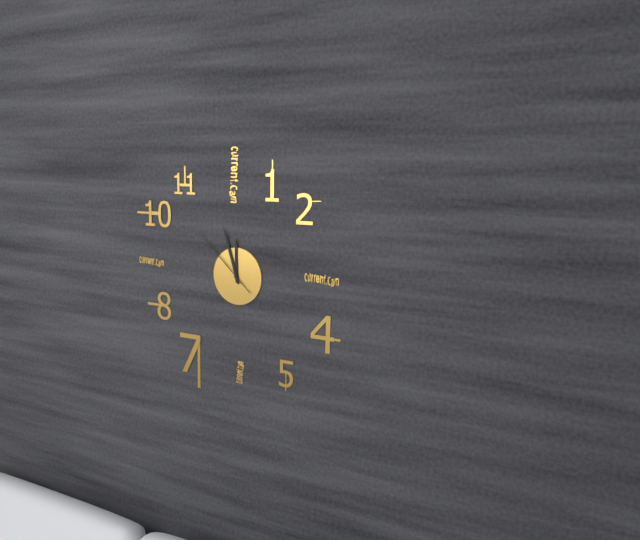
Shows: **11:57:52**
